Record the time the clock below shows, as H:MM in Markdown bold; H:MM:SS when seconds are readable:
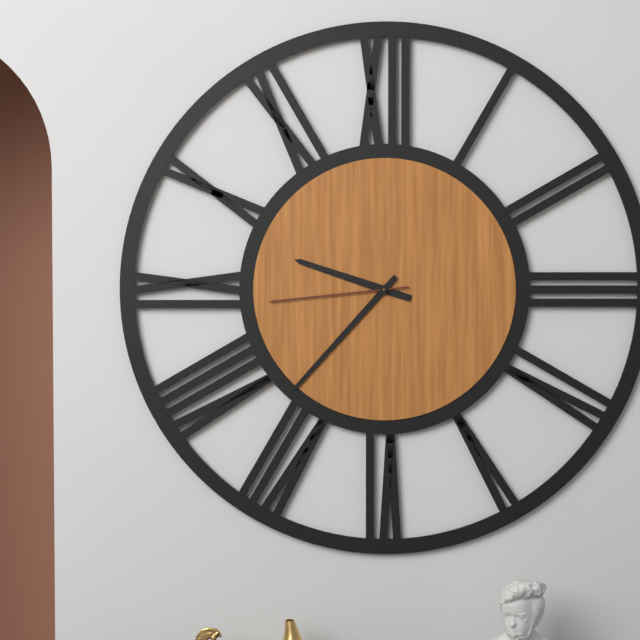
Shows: **9:37:44**
